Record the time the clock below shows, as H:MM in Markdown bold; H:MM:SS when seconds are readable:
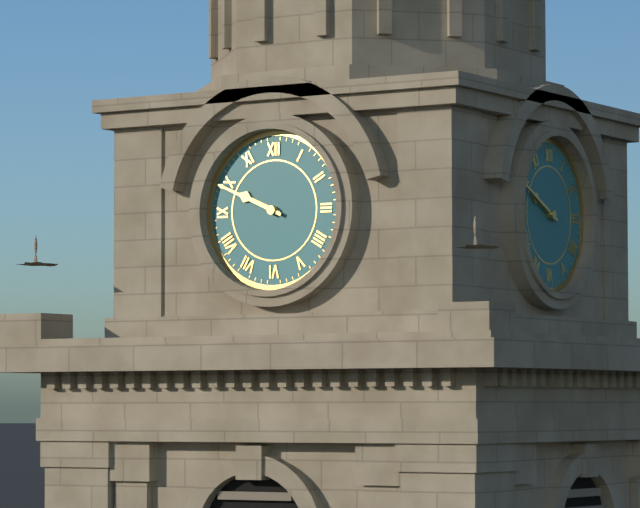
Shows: **9:49**
